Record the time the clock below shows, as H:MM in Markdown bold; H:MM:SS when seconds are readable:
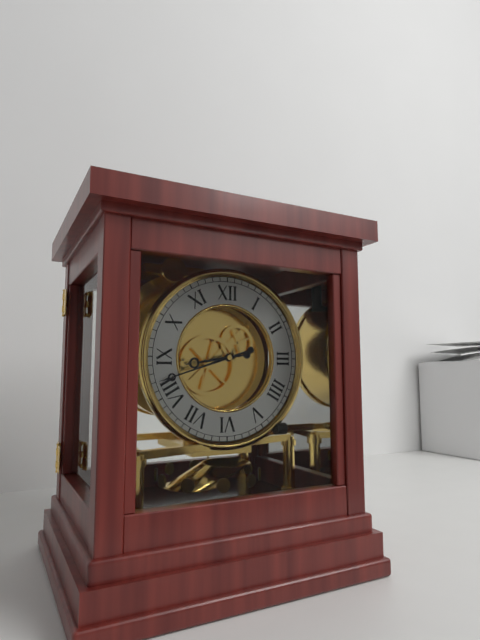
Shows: **8:42**
